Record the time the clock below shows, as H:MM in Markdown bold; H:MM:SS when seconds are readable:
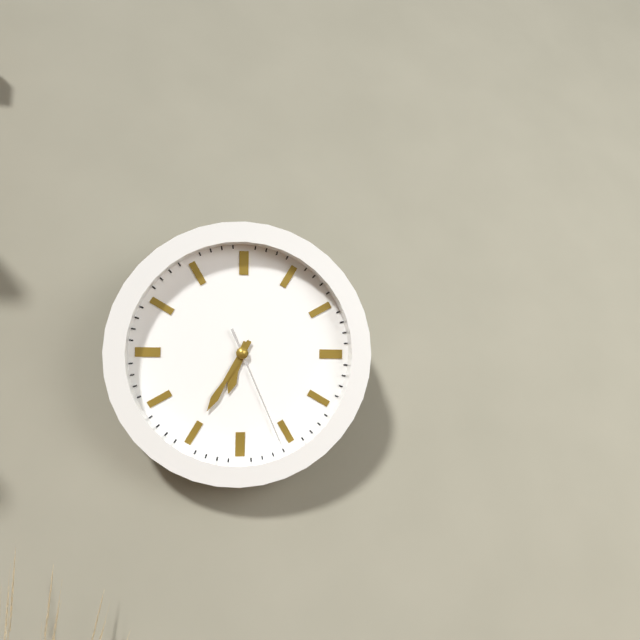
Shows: **6:35:26**
